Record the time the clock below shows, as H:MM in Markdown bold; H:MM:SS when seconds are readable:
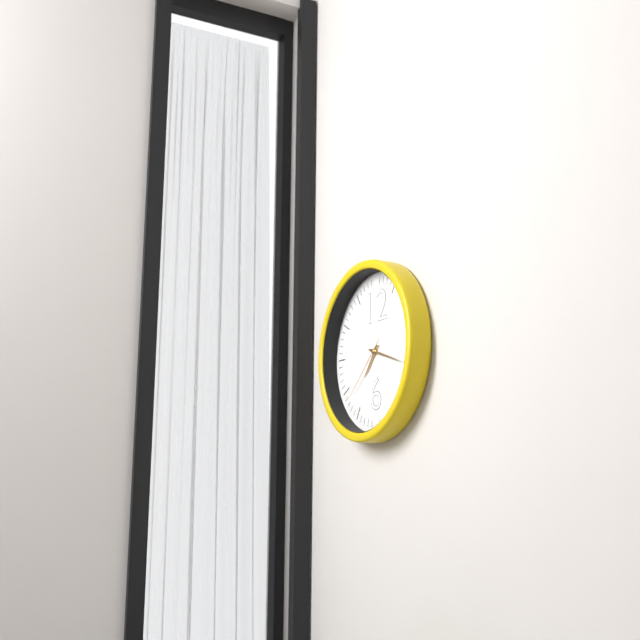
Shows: **7:18:38**
